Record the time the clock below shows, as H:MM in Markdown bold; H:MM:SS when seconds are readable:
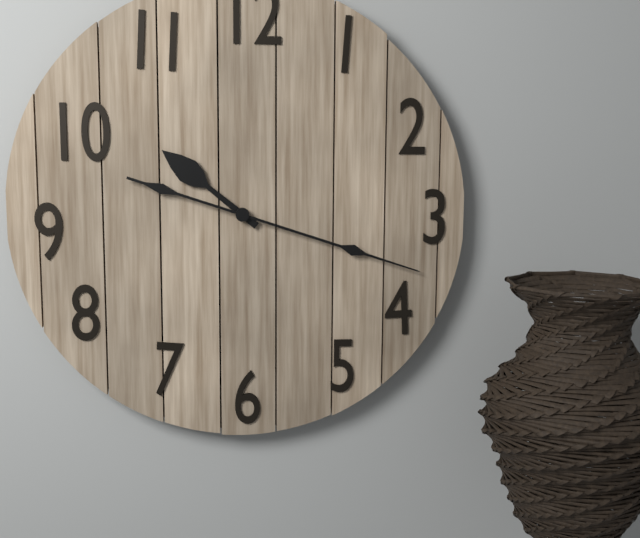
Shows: **10:18**
